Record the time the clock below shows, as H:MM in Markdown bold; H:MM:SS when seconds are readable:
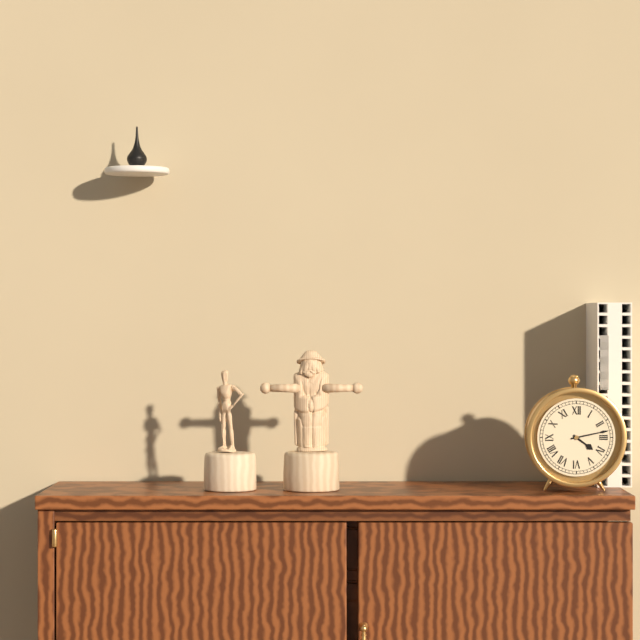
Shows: **4:13**
